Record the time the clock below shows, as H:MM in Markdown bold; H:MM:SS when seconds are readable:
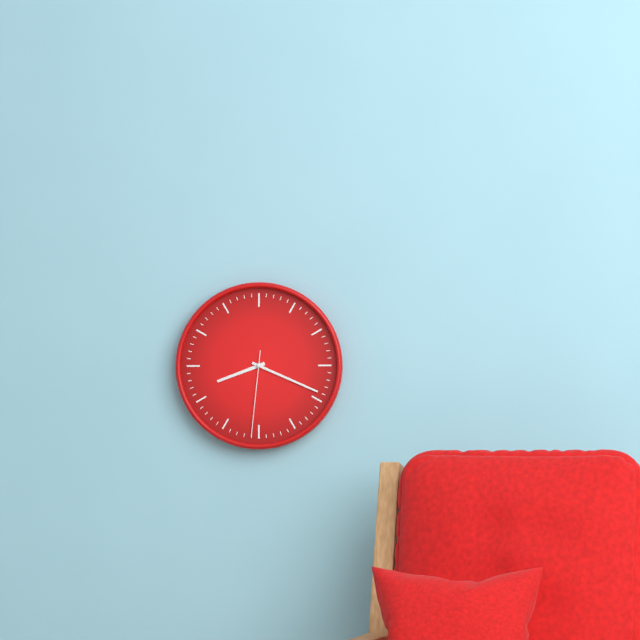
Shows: **8:19:31**
